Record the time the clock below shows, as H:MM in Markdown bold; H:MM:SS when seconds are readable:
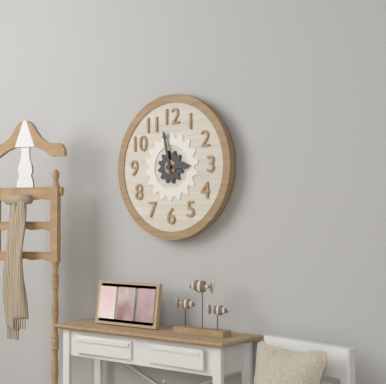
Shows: **2:58**
